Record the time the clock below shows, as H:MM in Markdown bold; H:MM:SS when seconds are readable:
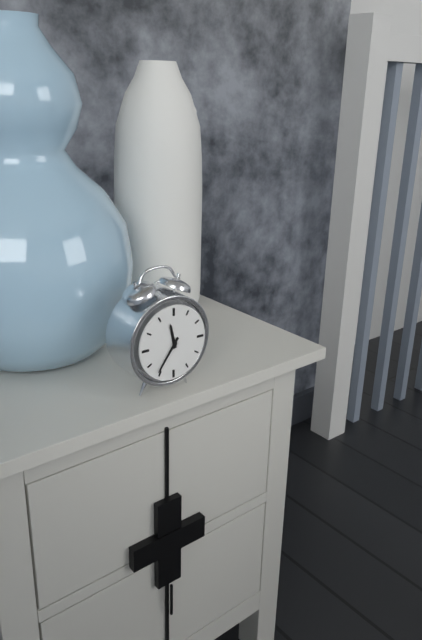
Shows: **11:36**
